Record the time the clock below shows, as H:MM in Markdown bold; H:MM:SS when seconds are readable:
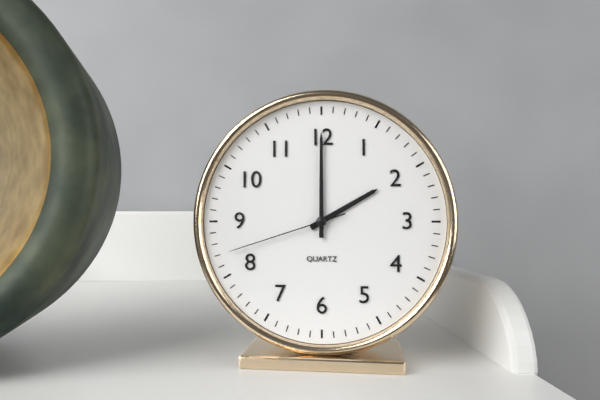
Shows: **2:00:42**
